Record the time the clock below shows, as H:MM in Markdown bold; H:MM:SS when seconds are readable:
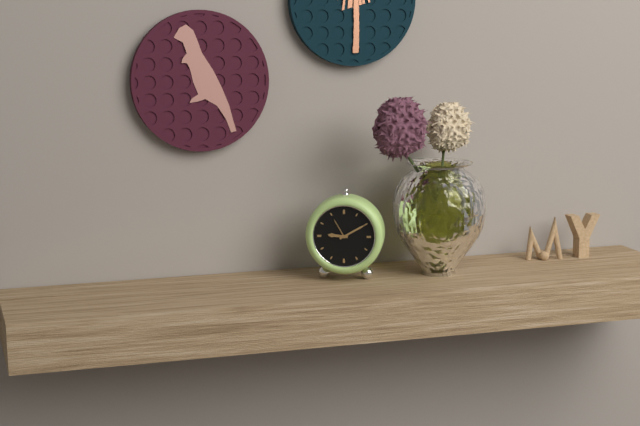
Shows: **9:10**
